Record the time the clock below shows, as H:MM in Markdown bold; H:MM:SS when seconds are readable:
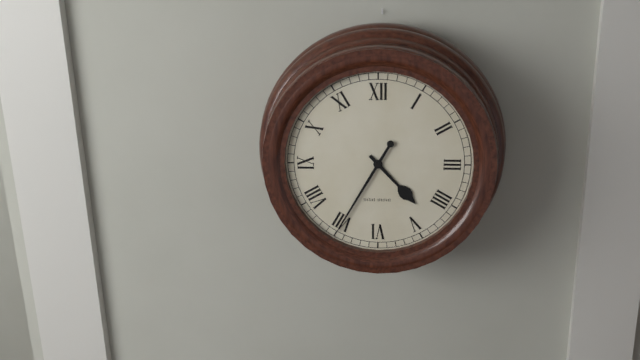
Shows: **4:35**
